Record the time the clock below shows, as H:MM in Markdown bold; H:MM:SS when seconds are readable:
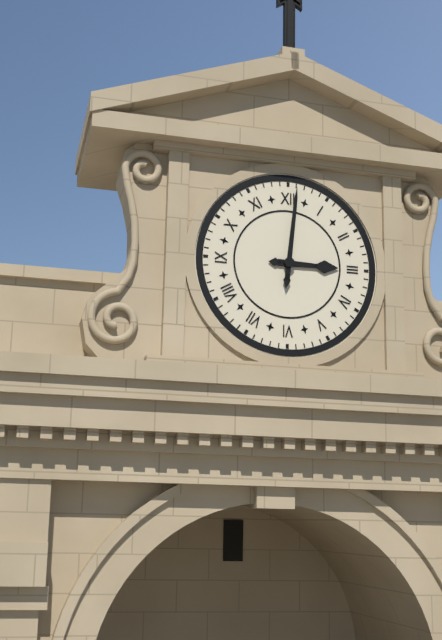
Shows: **3:01**
